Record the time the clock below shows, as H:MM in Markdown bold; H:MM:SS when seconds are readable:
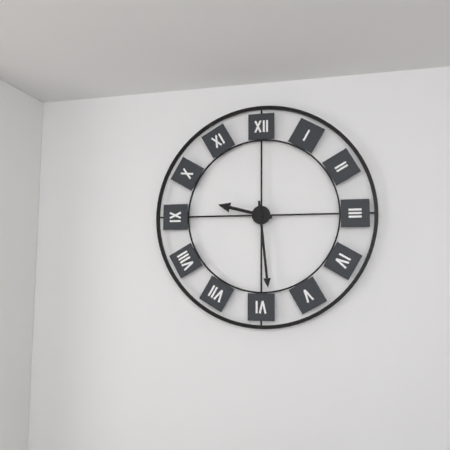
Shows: **9:29**
